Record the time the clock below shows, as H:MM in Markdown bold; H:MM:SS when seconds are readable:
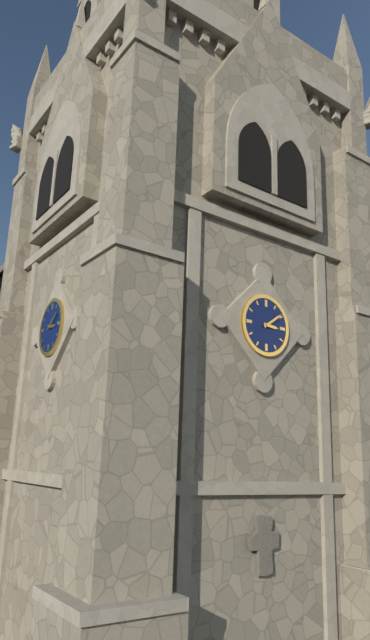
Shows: **3:09**
